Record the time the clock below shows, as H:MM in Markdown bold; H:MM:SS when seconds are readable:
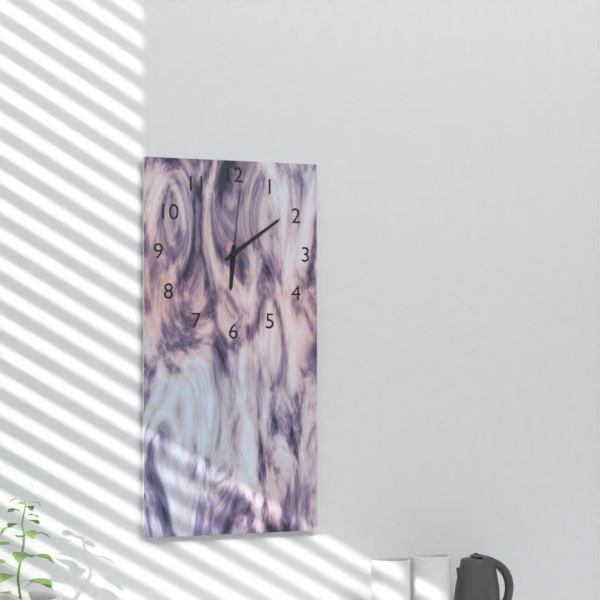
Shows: **6:09:01**
